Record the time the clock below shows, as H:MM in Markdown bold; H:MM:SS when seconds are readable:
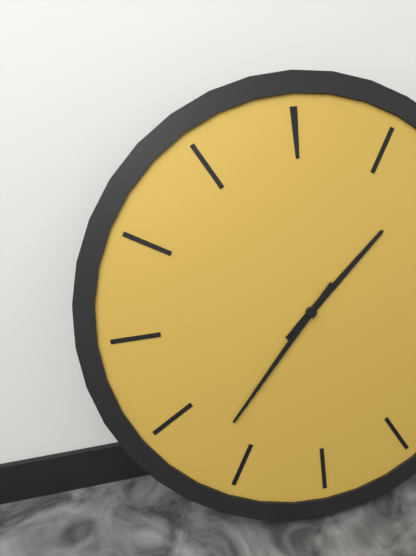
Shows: **1:37**
